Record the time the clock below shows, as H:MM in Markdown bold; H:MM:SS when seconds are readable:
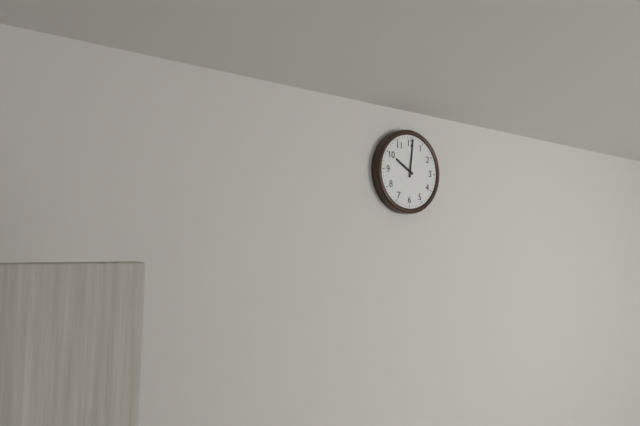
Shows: **10:01**
